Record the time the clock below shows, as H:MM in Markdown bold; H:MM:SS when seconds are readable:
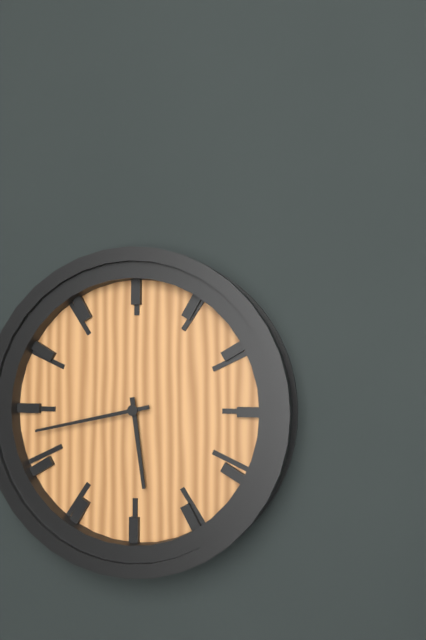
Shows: **5:43**
